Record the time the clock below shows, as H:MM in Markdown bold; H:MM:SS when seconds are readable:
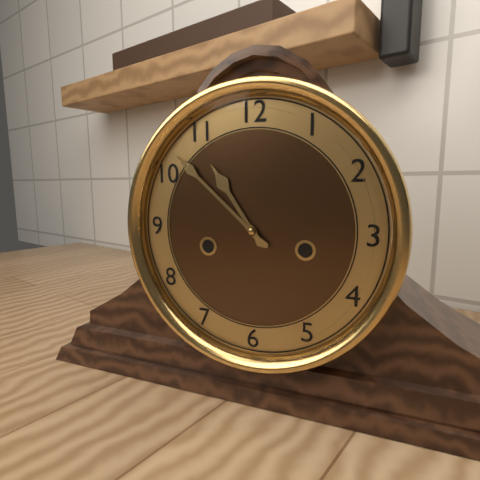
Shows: **10:52**
